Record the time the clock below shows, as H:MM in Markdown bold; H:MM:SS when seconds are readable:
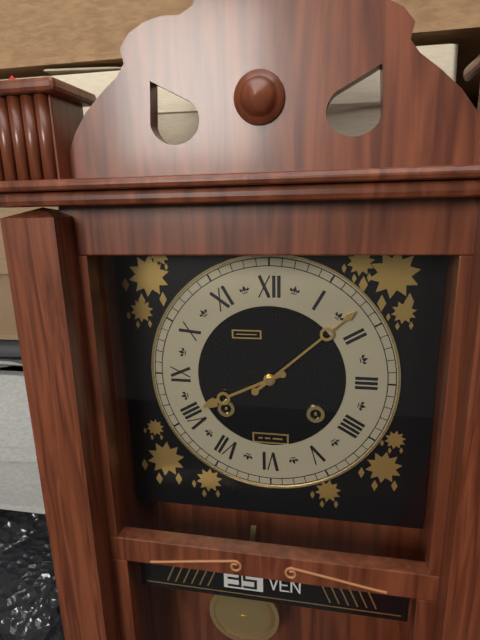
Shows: **8:08**
